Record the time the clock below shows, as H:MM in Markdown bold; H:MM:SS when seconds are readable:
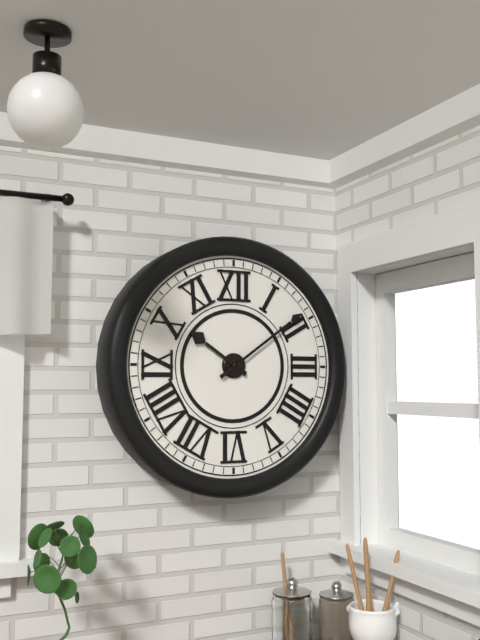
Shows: **10:09**
